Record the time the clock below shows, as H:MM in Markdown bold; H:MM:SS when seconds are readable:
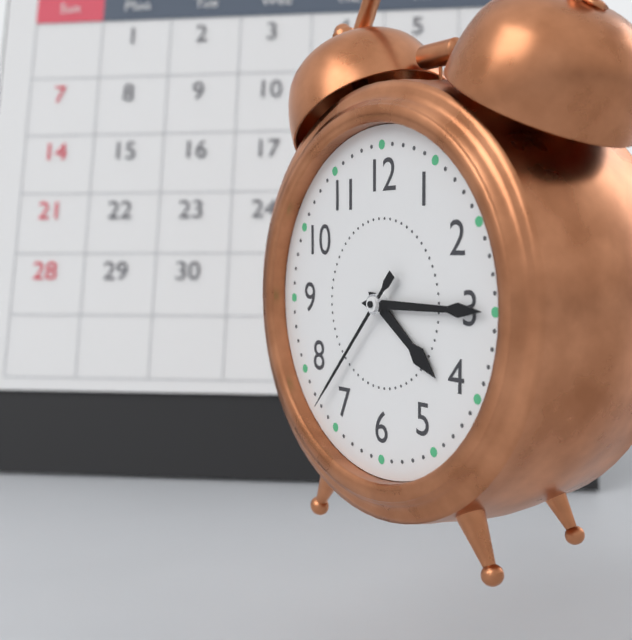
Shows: **4:15:37**
